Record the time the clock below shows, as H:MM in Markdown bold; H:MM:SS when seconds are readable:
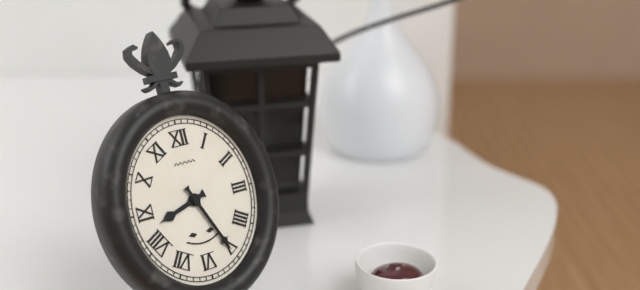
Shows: **8:26**
